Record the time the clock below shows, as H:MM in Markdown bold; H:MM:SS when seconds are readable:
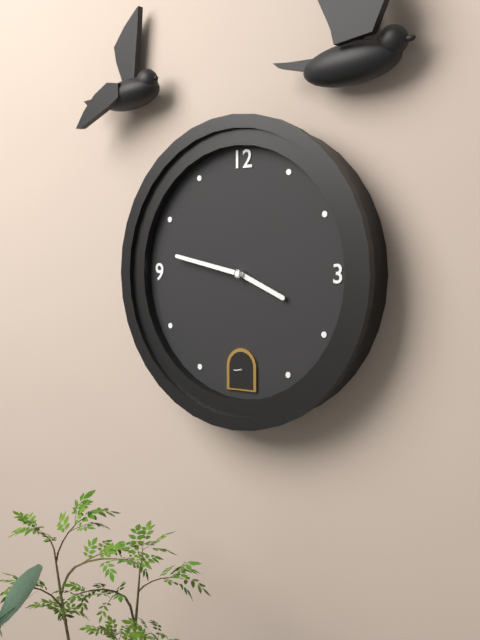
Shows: **3:47**
